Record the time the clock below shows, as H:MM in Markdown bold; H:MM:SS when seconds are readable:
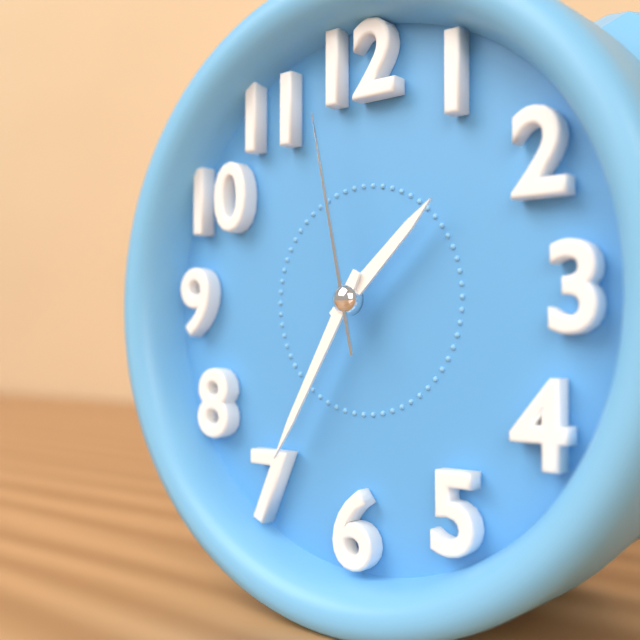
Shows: **1:35:58**
